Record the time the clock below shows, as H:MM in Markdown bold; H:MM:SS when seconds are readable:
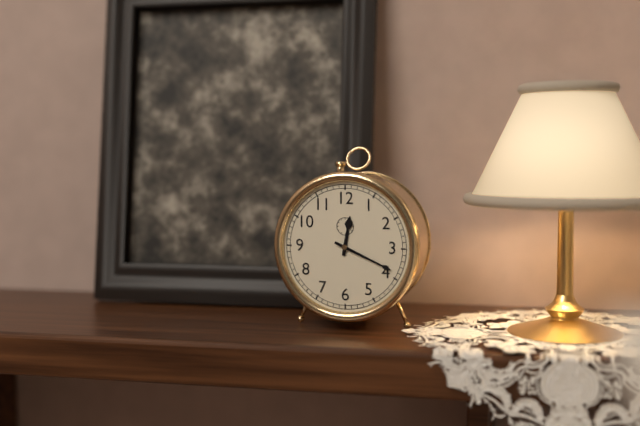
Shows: **12:19**
